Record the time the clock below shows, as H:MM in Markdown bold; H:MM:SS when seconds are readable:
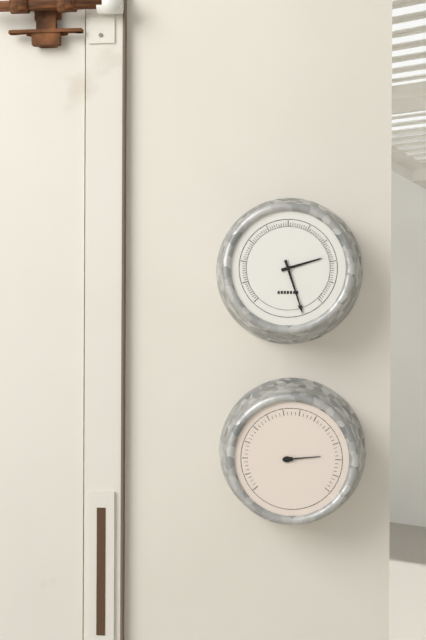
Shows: **2:27**
